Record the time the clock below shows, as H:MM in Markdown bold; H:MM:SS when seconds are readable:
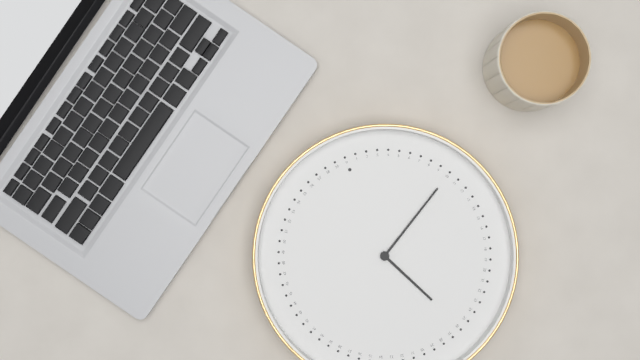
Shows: **5:10**
